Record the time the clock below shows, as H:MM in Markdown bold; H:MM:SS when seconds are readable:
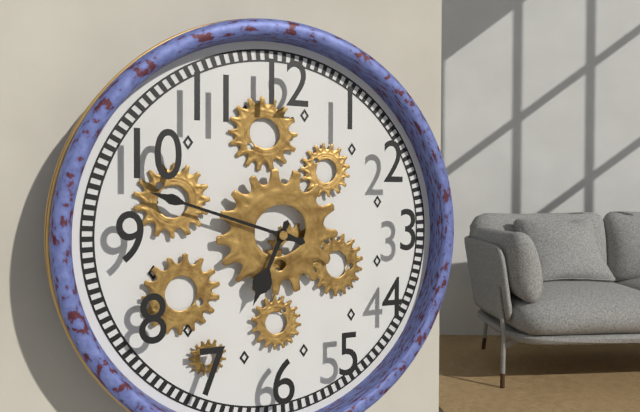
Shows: **6:48**
